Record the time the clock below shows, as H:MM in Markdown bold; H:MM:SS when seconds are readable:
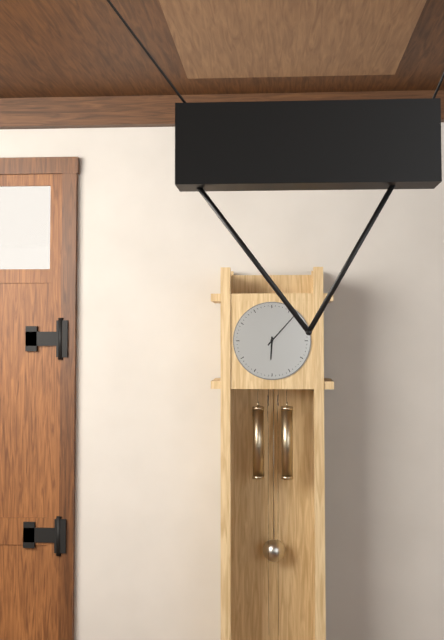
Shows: **6:07**
